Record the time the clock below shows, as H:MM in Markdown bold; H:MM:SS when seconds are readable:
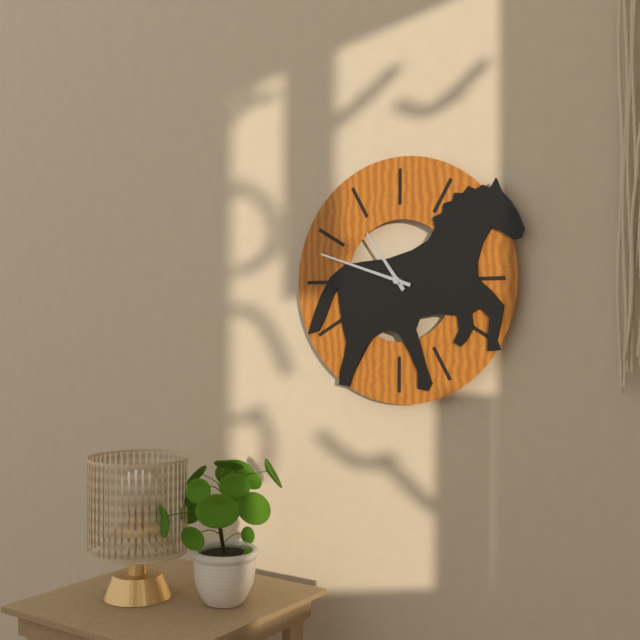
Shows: **10:48**
